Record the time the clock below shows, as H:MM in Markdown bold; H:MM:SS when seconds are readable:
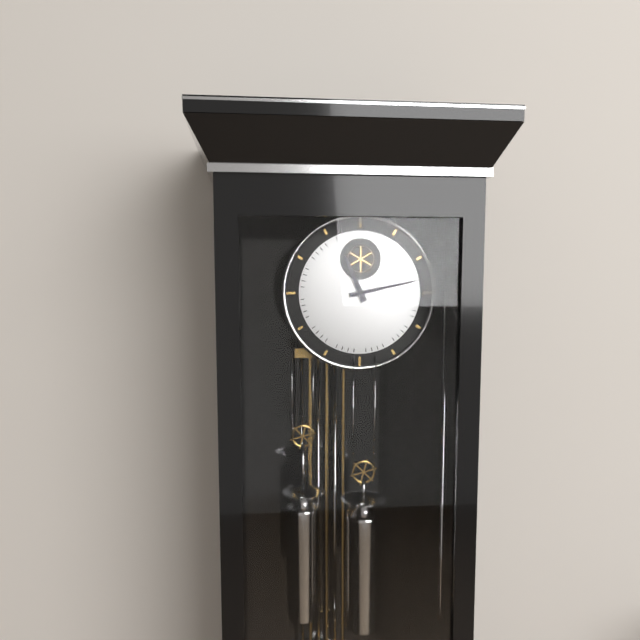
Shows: **11:13**
